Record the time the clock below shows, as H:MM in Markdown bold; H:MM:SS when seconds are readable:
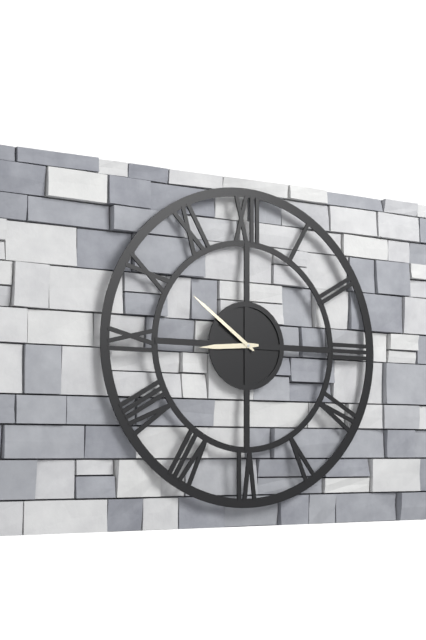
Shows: **8:51**
